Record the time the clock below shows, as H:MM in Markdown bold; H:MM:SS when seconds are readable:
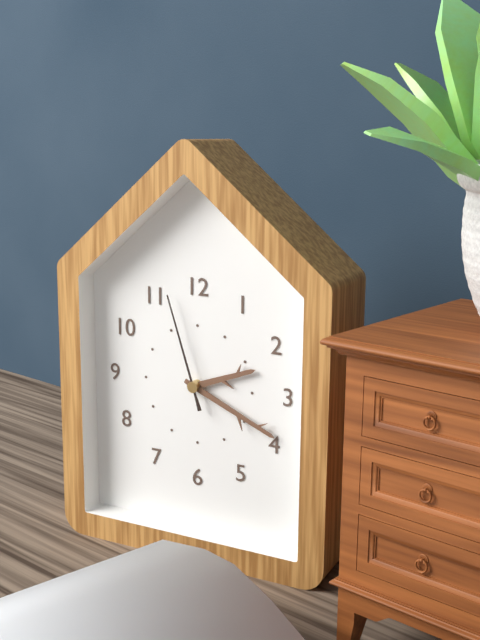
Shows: **2:19:57**
